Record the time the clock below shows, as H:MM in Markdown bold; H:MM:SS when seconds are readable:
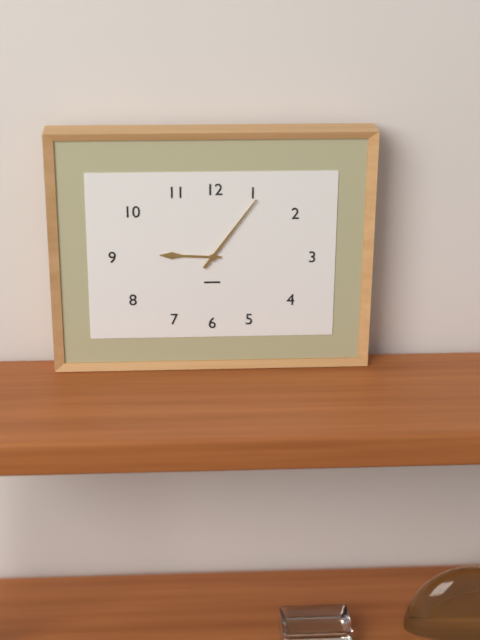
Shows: **9:06**
